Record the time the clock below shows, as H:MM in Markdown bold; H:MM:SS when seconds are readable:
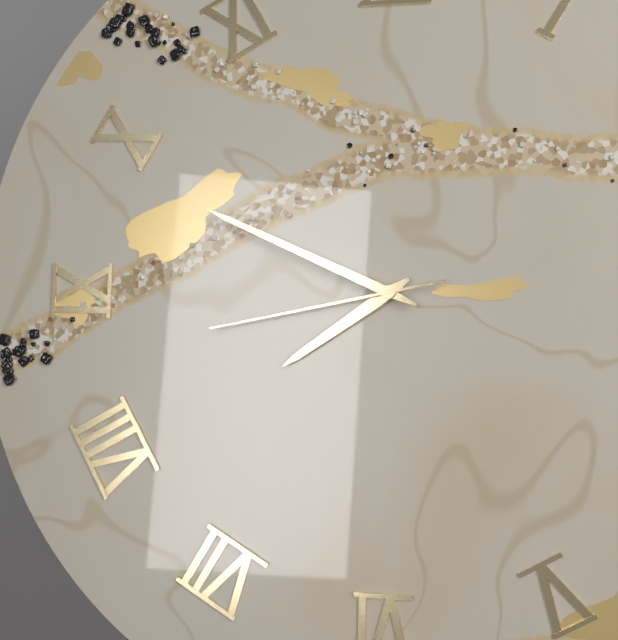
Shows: **7:49:43**
